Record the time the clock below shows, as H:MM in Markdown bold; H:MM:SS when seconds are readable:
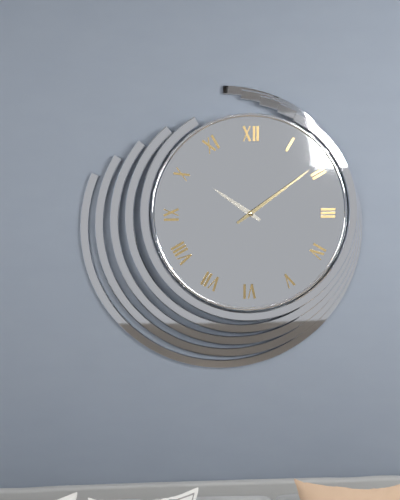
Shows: **10:09**
